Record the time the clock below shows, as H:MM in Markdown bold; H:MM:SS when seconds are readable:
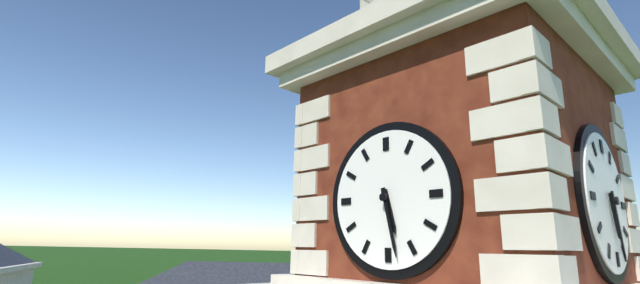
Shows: **5:28**
